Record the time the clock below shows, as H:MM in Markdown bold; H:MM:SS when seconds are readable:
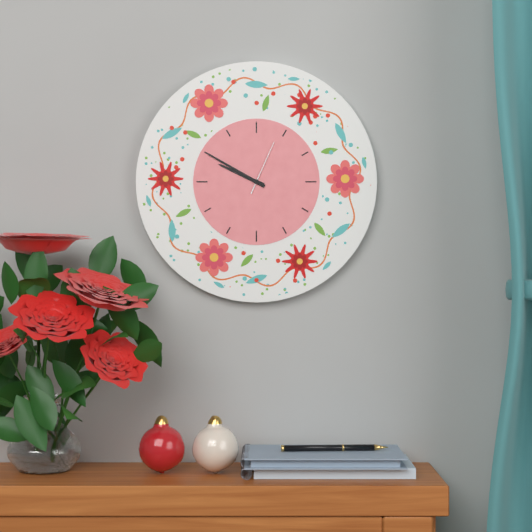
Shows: **9:50:04**
